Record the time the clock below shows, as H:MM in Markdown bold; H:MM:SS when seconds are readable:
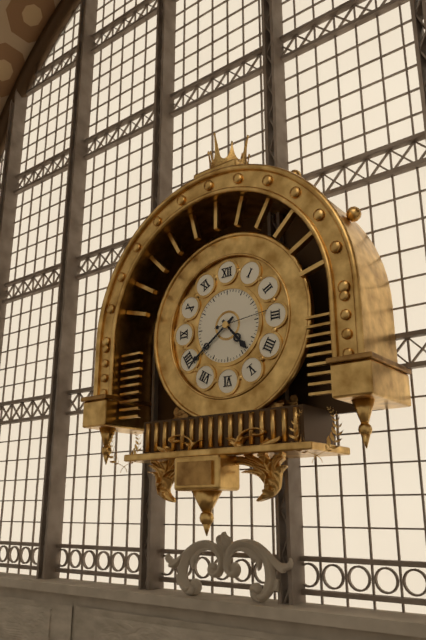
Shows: **4:39:14**
